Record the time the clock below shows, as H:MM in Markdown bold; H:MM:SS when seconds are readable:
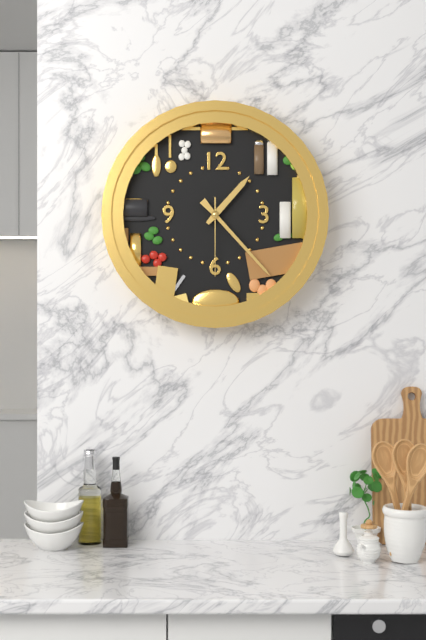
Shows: **1:23:30**
